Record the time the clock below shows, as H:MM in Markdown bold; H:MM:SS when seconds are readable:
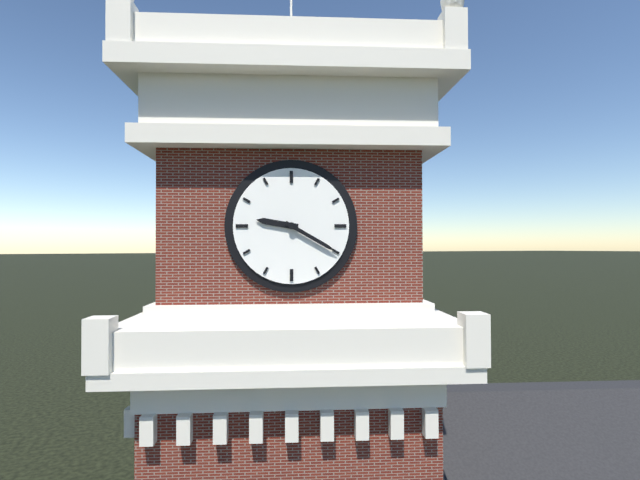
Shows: **9:20**
